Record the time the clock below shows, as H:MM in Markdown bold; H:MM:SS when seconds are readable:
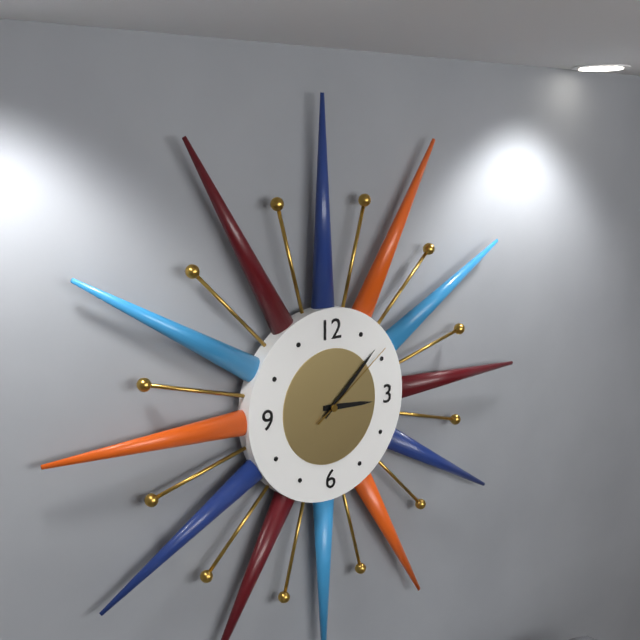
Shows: **3:08:09**
